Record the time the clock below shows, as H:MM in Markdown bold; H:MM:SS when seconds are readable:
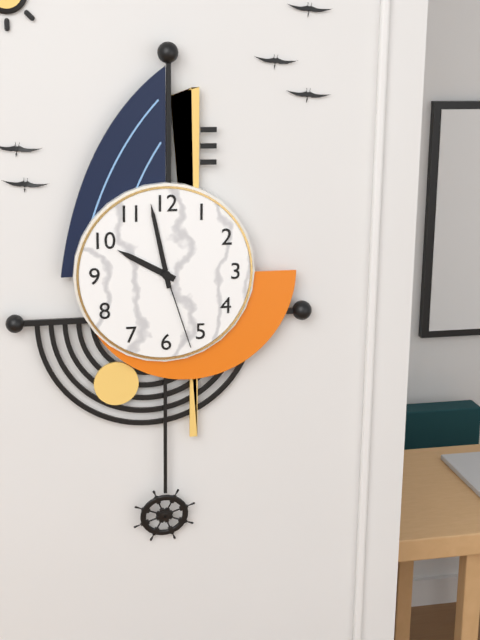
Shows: **9:58:27**
